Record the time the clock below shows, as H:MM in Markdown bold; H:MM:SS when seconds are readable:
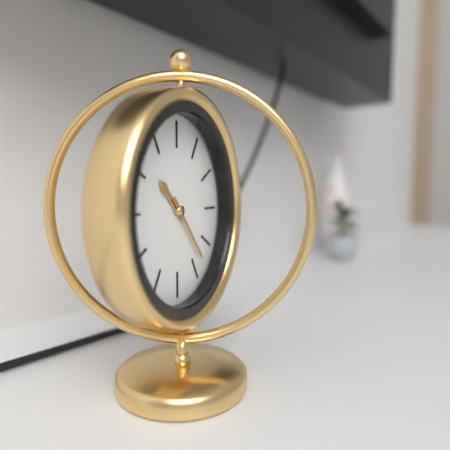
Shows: **10:23**
